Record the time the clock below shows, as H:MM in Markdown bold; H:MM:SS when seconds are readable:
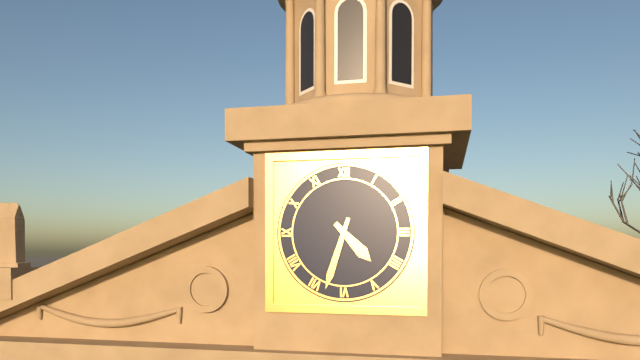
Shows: **4:33**
